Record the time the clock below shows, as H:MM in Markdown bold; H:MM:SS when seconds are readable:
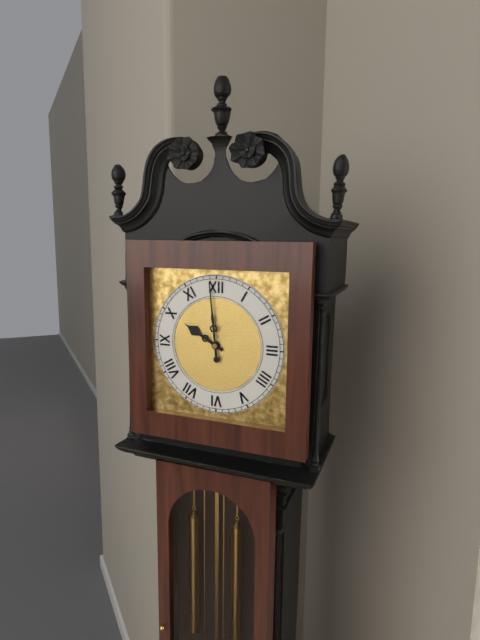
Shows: **9:59**
